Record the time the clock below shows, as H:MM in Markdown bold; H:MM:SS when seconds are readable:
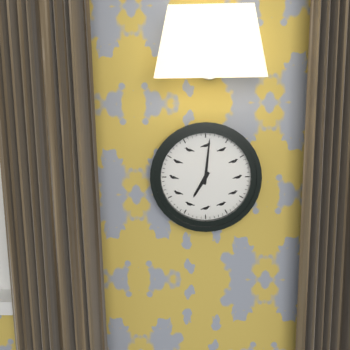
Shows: **7:01**
